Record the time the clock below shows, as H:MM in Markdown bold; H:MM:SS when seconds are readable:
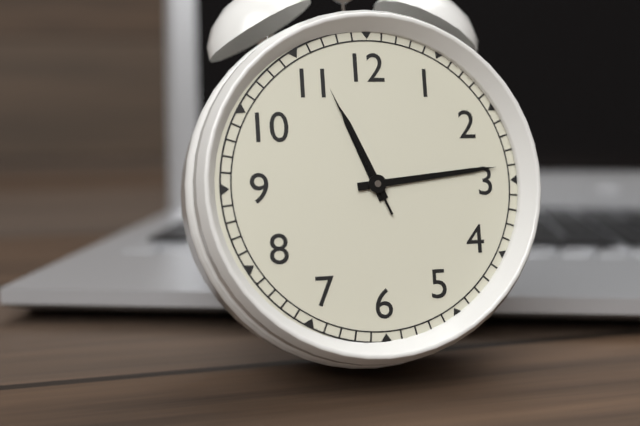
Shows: **11:14:56**
